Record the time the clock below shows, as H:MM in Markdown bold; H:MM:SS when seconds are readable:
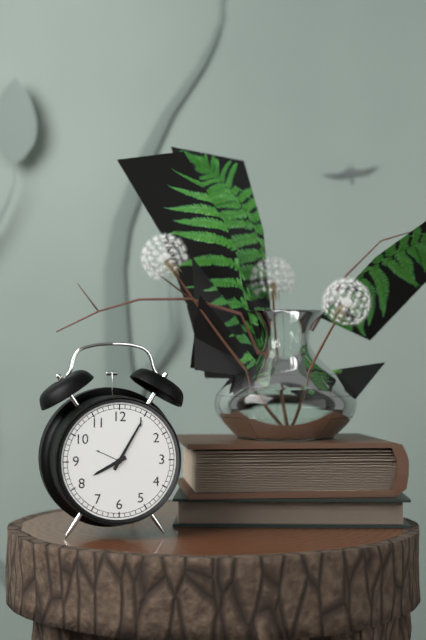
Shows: **8:05**
